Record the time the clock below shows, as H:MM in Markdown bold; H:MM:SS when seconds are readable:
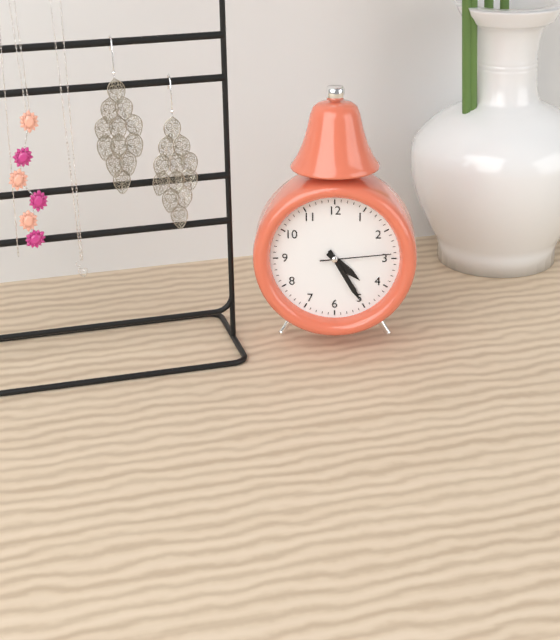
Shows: **4:25:14**
